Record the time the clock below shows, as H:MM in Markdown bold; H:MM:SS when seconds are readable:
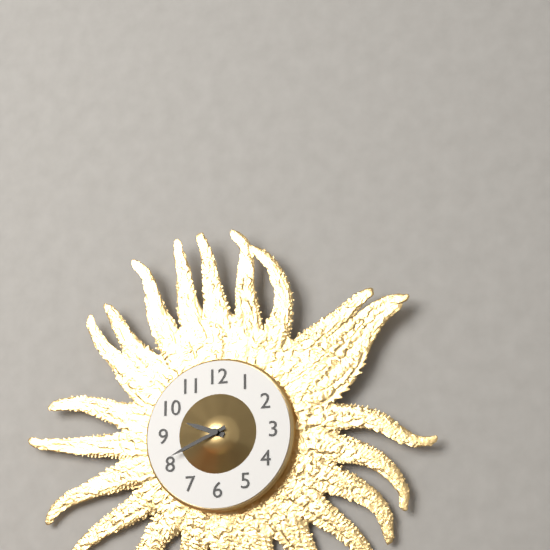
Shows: **9:41**
